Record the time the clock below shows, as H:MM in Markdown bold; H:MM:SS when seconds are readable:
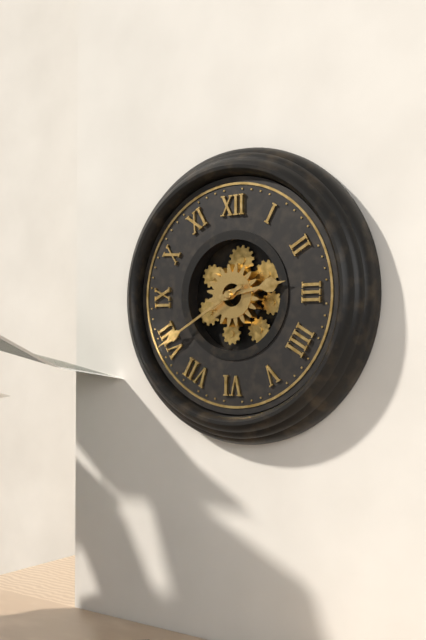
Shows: **2:40**
